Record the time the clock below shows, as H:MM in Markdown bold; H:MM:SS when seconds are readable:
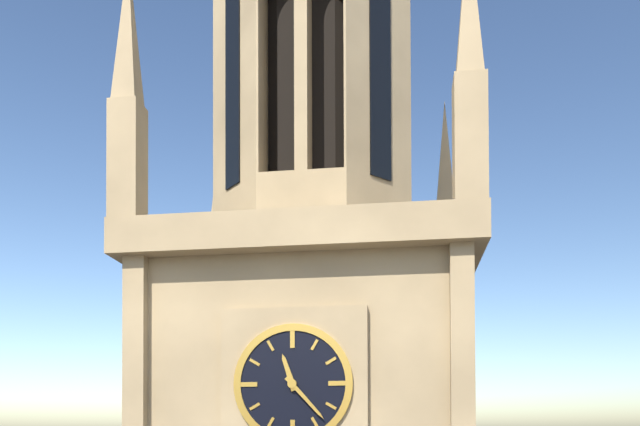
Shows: **11:23**
